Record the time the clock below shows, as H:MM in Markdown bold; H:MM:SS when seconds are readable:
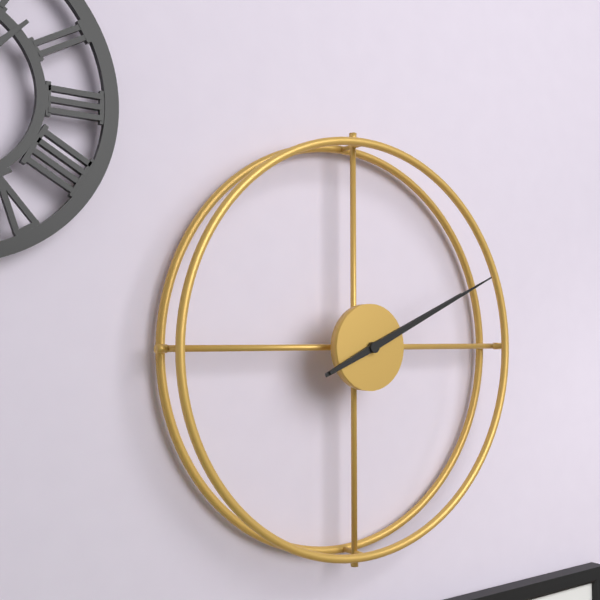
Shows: **2:11**
